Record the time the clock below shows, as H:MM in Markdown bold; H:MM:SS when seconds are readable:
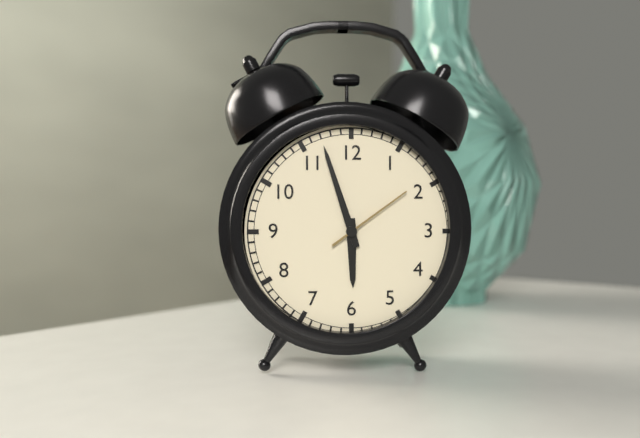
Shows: **5:57:09**
